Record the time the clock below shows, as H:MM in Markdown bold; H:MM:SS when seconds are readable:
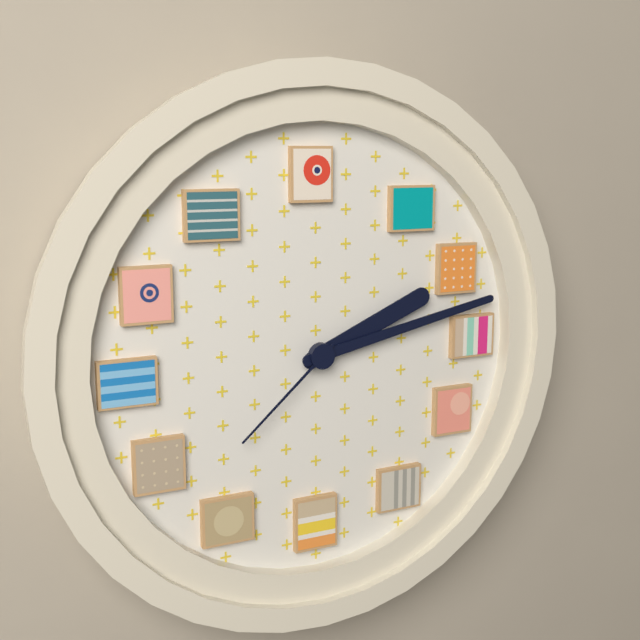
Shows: **2:13:38**
